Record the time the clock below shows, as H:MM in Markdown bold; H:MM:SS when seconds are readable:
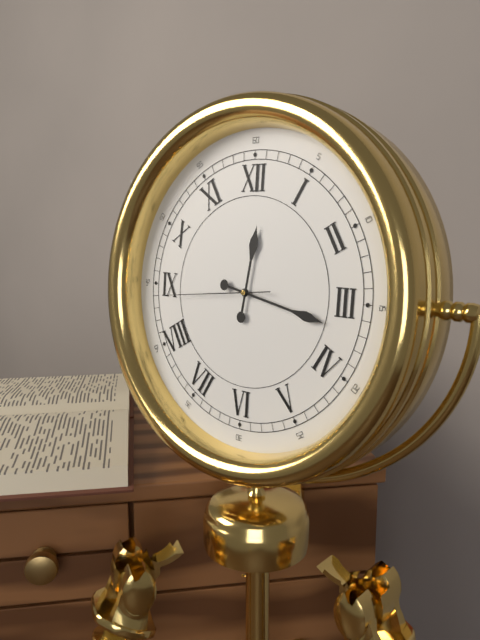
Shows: **12:17:44**
